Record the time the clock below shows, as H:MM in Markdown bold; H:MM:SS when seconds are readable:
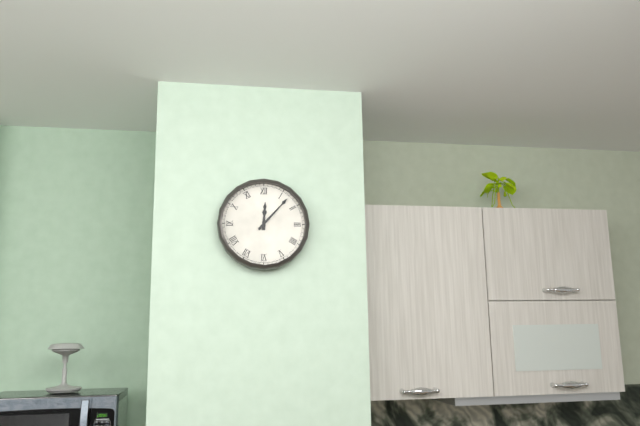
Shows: **12:07**
